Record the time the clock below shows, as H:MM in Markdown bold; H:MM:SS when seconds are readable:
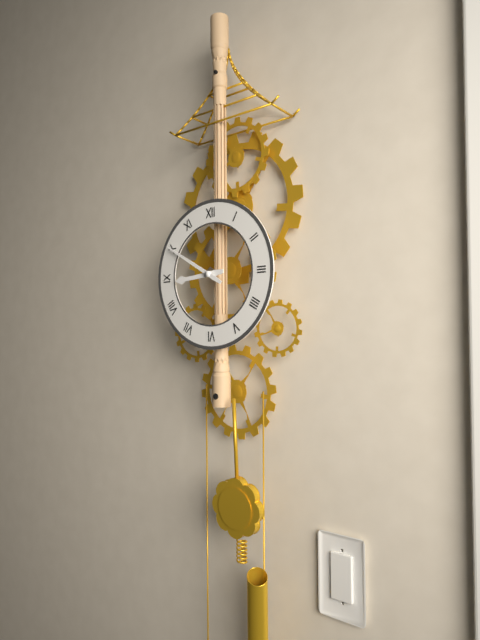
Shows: **8:50**
